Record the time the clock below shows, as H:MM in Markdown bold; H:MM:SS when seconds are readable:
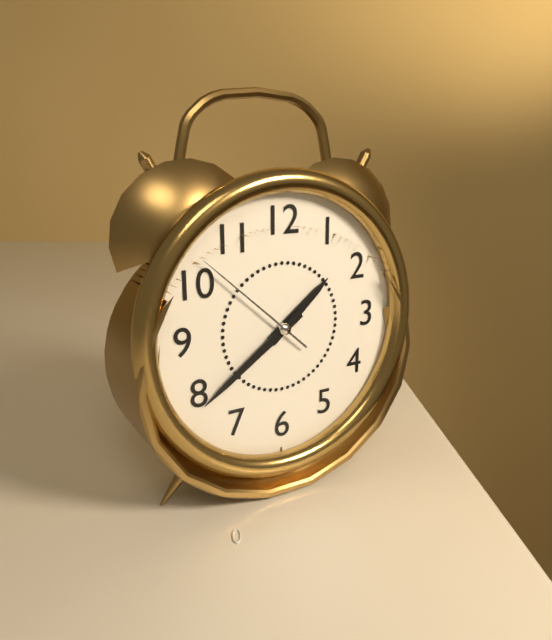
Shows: **1:39:52**
